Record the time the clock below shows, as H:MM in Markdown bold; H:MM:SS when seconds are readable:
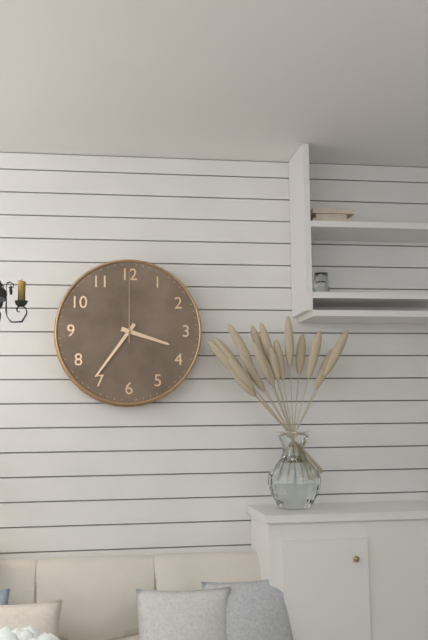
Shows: **3:36:00**
